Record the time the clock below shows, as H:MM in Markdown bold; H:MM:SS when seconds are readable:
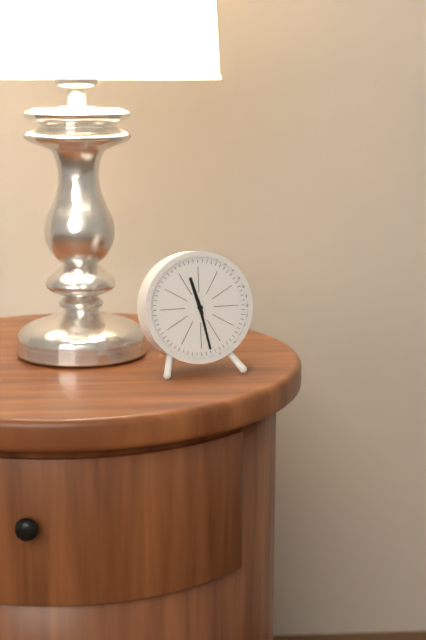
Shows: **11:28**
